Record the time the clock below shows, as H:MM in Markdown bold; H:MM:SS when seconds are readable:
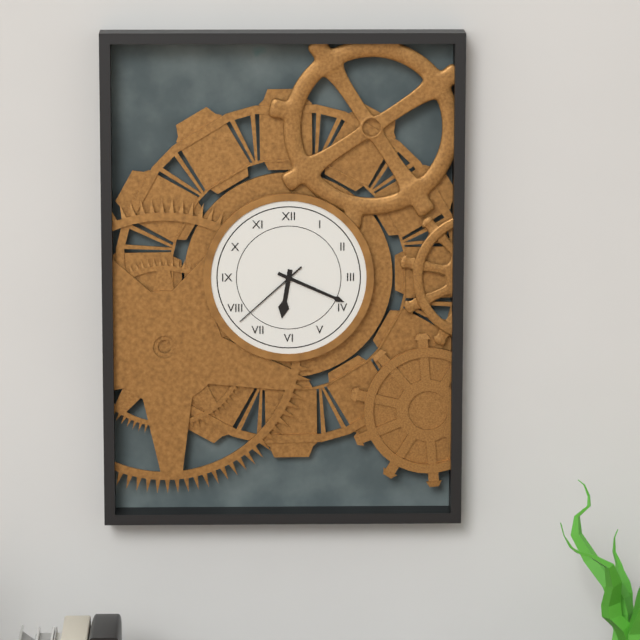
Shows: **6:19:38**
